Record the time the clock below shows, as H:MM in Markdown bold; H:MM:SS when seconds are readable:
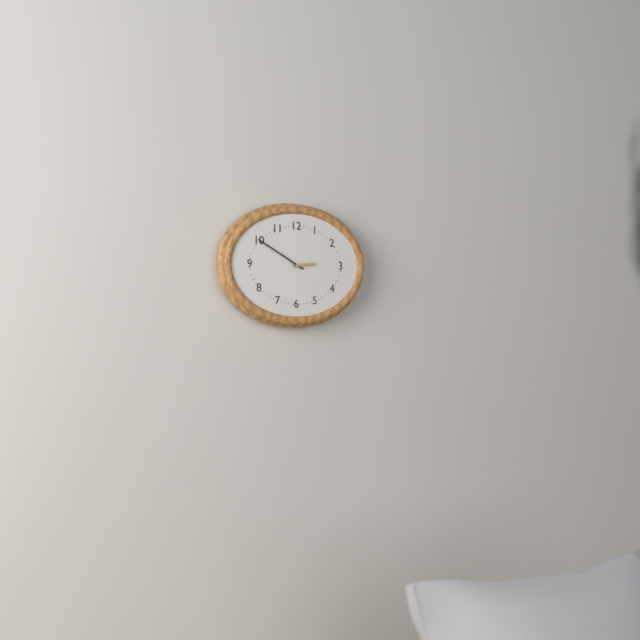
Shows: **2:50**
